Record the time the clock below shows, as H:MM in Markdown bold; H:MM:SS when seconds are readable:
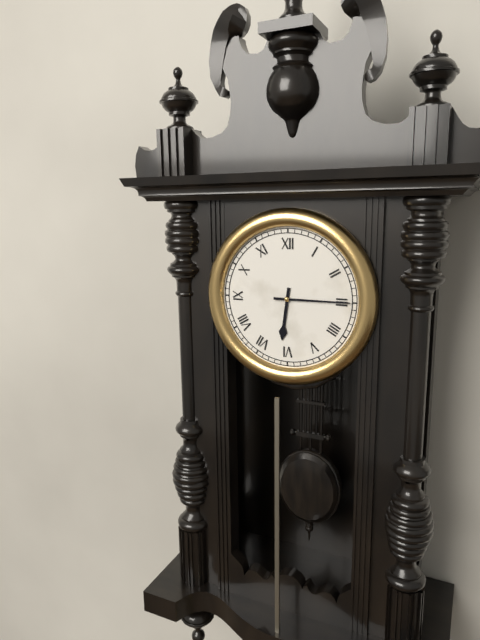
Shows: **6:15**
